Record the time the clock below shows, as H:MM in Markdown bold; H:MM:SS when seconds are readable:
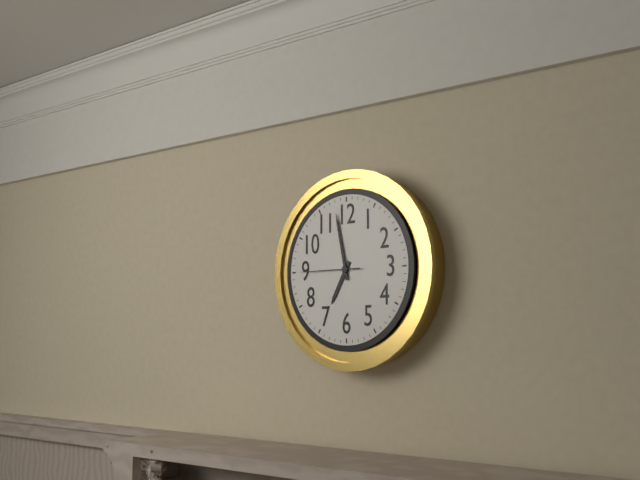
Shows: **6:58:45**
